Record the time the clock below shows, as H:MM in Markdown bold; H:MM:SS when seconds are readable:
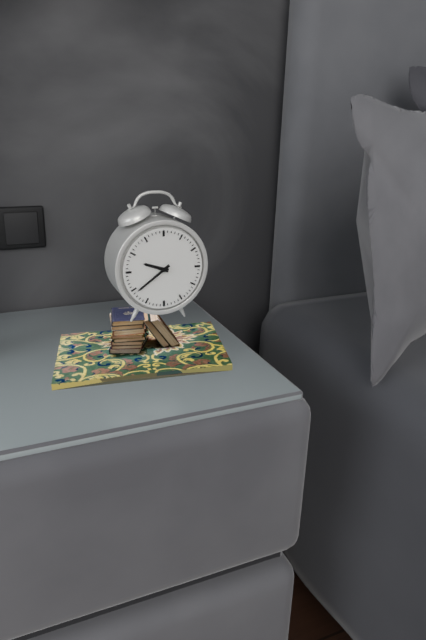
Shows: **9:39**
